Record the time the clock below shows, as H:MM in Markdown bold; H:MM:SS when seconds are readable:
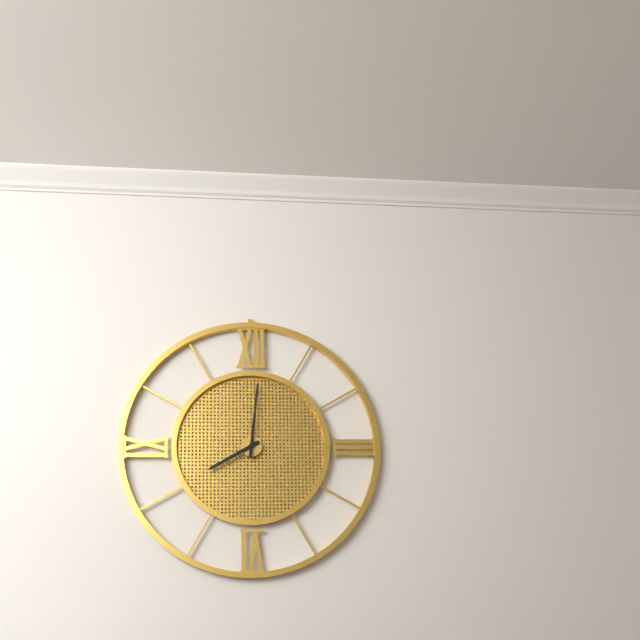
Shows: **8:01**
